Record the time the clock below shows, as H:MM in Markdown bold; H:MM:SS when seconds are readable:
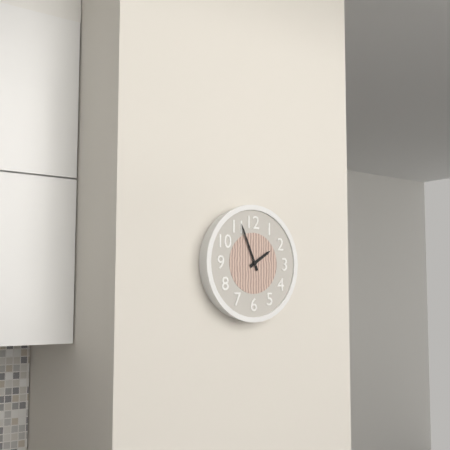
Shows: **1:56**
